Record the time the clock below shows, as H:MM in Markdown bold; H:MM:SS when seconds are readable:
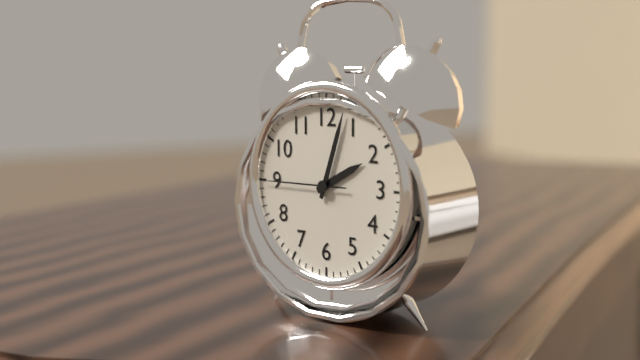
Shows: **2:03:45**
